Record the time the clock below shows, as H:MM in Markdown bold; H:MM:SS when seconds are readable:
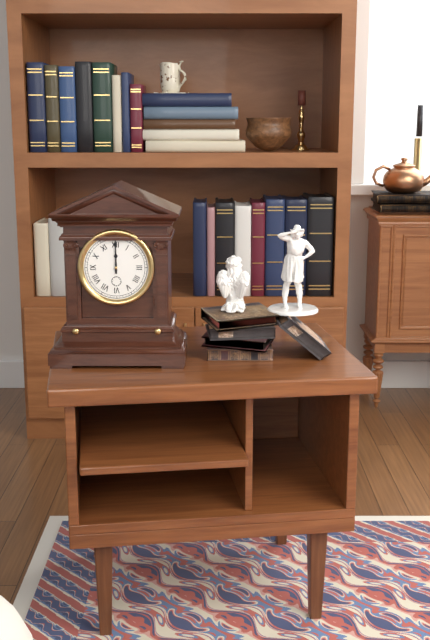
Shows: **12:00**
